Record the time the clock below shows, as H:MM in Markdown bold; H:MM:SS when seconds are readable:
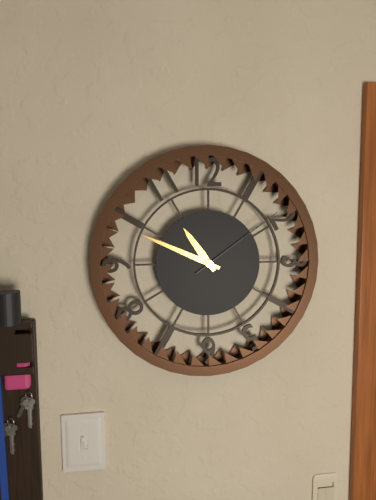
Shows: **10:49:09**
